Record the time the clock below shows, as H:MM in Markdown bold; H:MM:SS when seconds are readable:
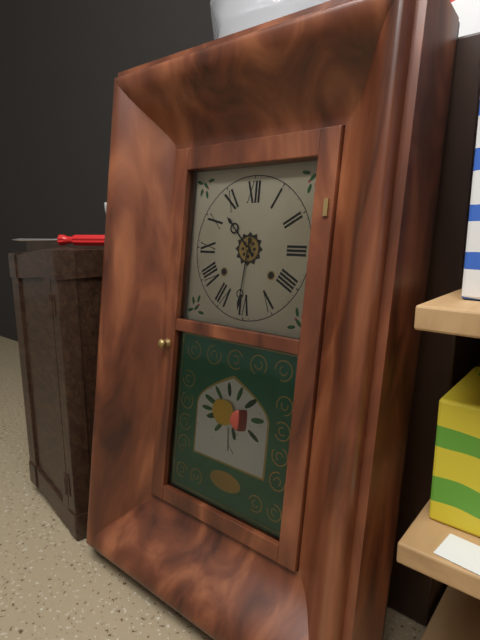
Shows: **10:31**
